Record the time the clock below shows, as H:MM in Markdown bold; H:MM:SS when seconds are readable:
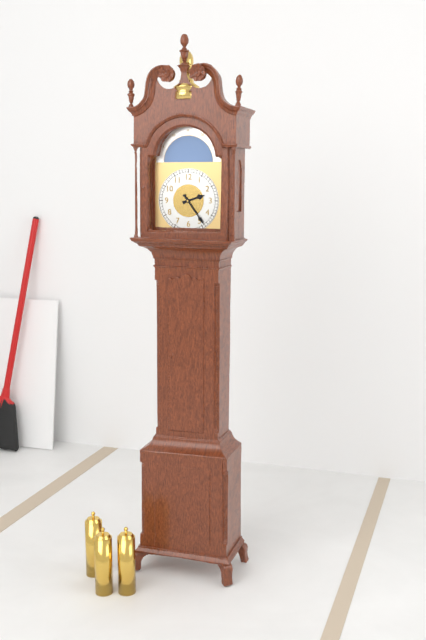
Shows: **2:24**
